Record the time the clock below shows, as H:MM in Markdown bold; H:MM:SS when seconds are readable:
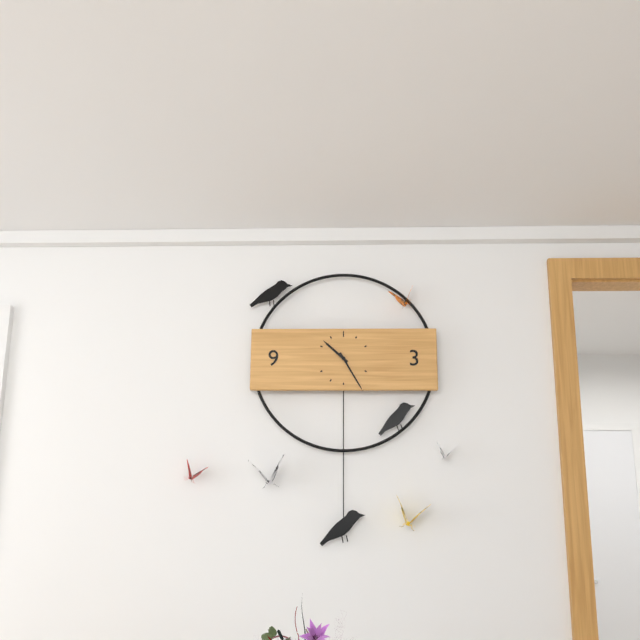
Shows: **10:25**
